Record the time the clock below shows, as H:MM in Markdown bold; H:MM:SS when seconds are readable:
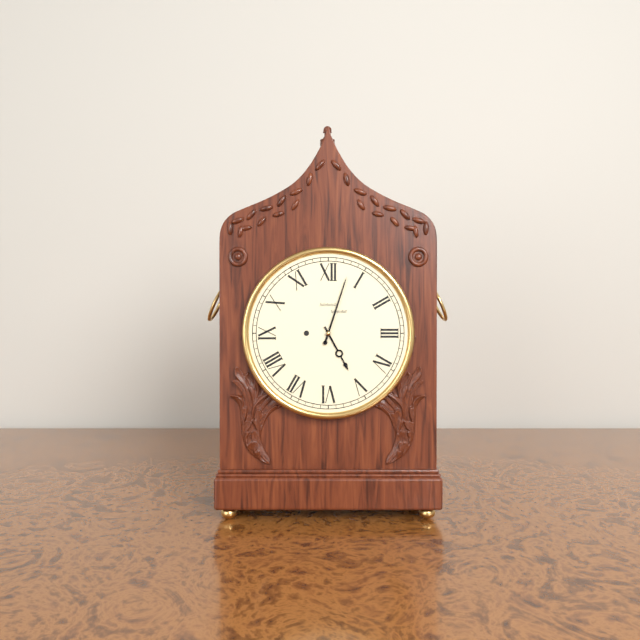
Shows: **5:03**
